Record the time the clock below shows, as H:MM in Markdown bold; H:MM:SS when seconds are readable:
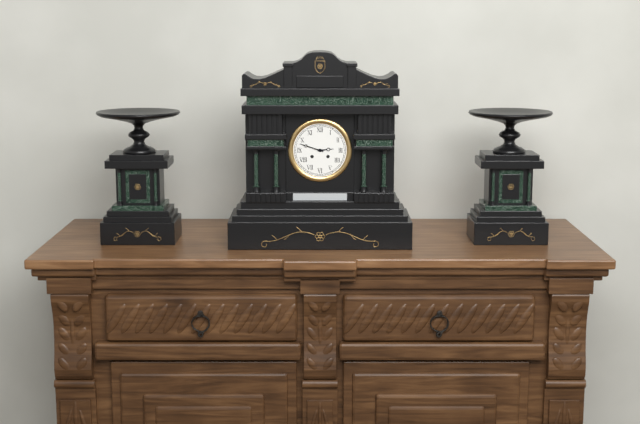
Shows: **2:48**
